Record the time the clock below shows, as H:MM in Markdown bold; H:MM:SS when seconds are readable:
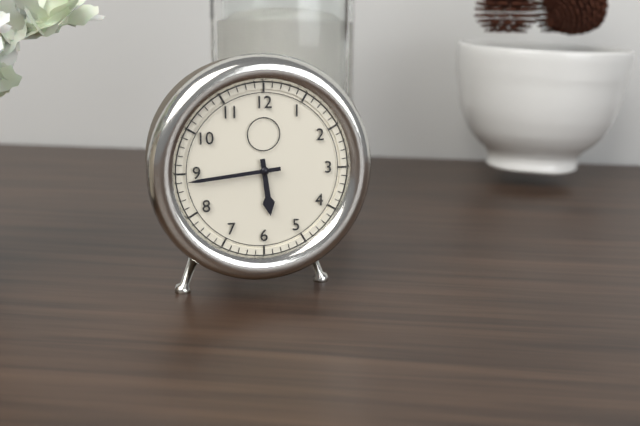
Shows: **5:44**
